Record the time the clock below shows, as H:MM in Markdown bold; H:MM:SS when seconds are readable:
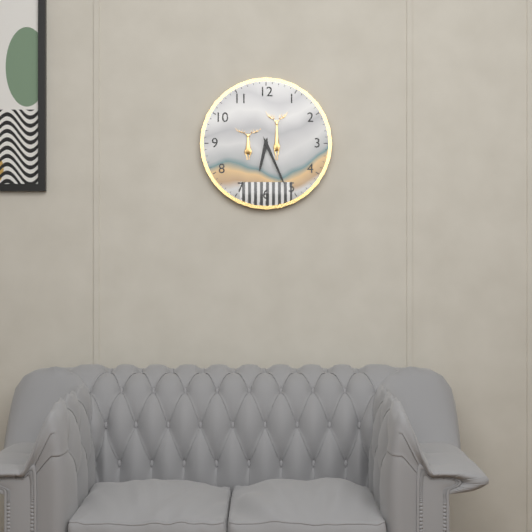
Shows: **6:26**
